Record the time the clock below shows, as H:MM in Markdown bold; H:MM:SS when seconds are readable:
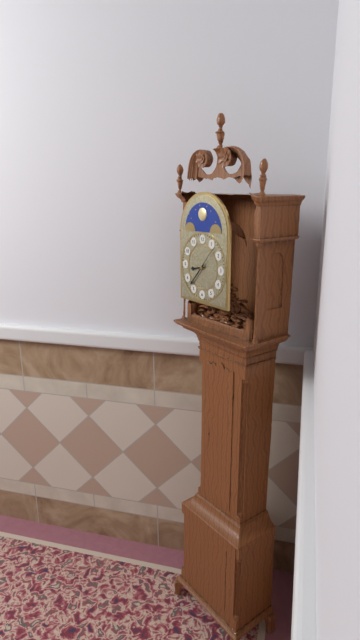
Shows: **8:37**
